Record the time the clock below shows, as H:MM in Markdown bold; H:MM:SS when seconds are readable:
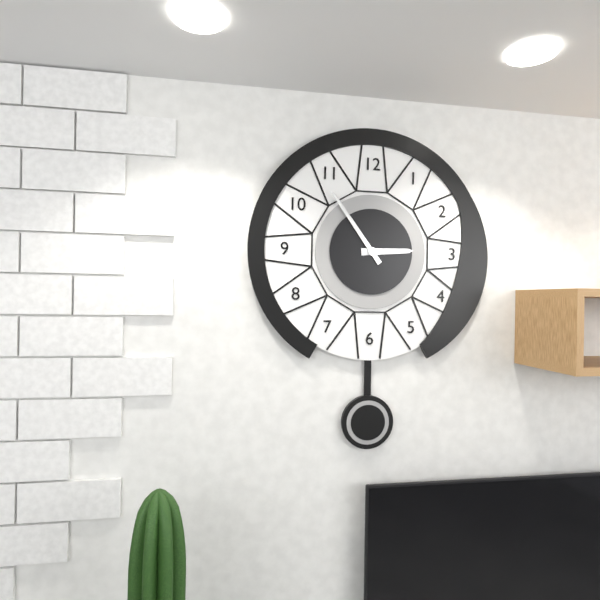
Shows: **2:54**
